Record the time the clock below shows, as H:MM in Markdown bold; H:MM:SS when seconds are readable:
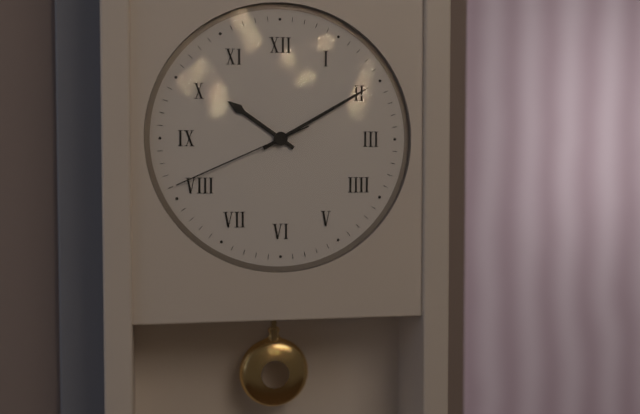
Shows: **10:10:41**
